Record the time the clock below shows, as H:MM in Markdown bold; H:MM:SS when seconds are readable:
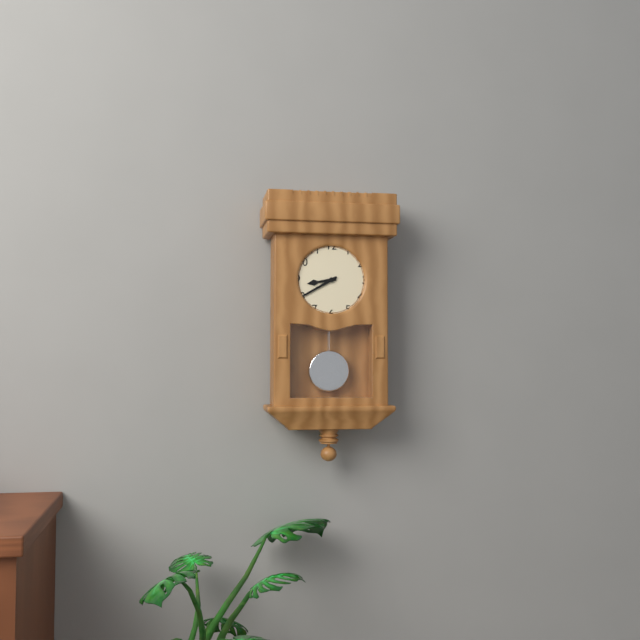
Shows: **8:40**
